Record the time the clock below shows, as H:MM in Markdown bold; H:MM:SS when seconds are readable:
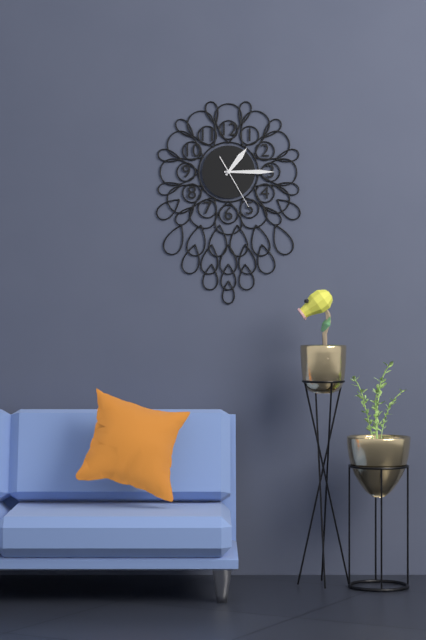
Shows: **1:15:25**
